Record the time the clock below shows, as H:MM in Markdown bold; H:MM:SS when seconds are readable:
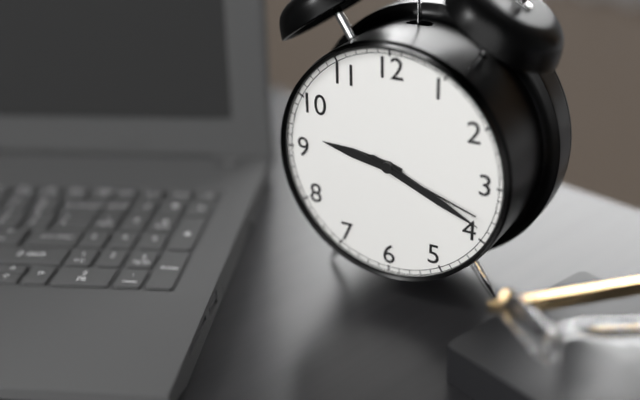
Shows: **9:19:18**
